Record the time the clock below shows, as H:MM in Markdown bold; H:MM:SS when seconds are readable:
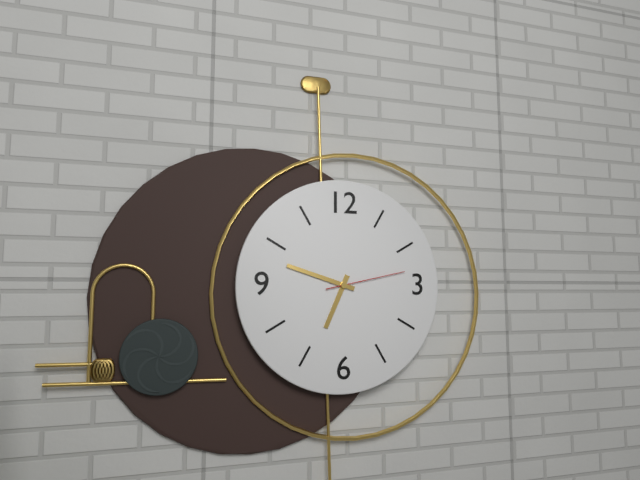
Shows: **6:48:13**
